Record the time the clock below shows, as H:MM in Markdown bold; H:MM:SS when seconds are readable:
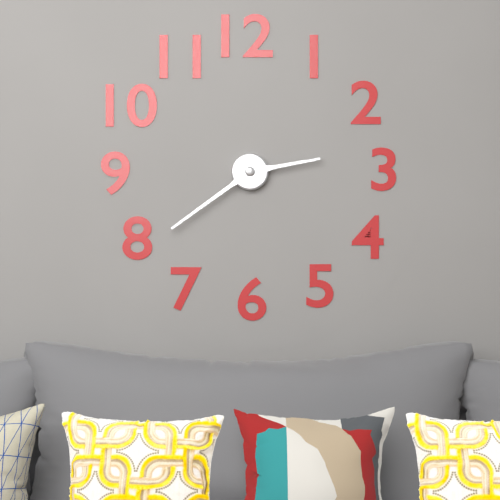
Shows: **2:39**
